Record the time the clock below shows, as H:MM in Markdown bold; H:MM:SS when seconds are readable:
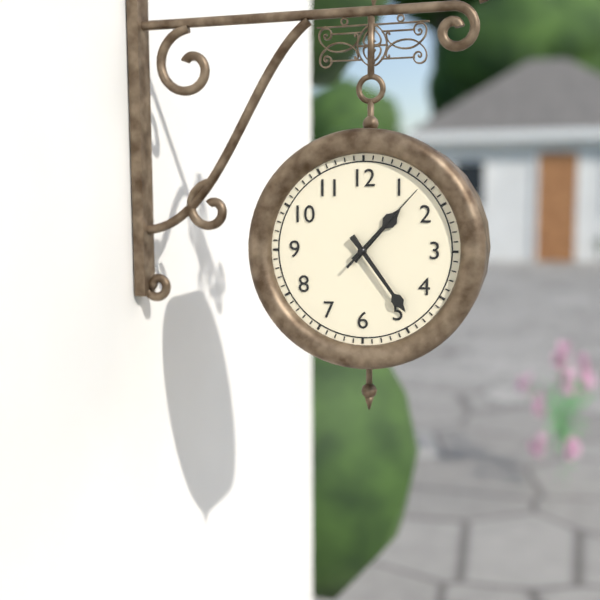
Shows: **1:24:07**
